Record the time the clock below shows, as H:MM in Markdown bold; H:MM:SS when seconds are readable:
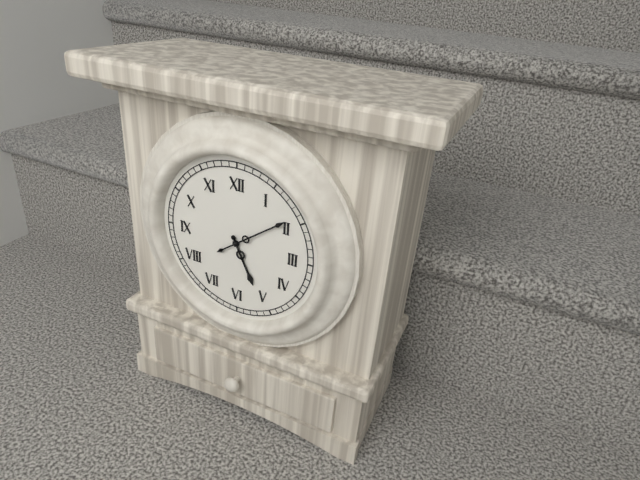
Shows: **5:09**
